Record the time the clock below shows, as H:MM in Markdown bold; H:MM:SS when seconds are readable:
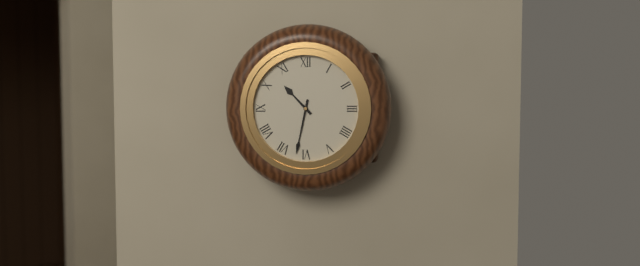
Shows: **10:32**
